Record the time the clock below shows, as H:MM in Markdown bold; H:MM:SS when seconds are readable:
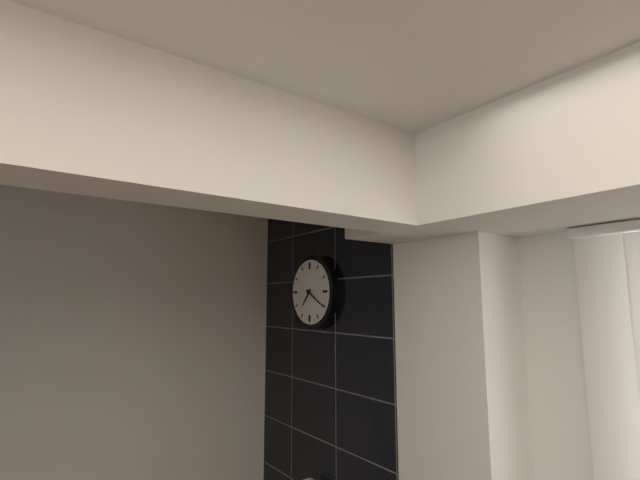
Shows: **7:20**
